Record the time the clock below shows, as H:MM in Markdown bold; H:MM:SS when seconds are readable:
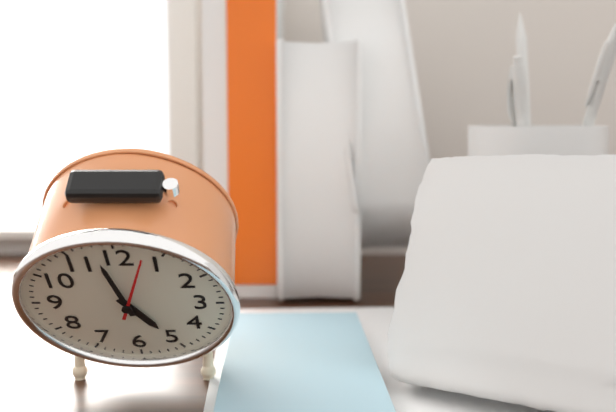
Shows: **4:58:03**
